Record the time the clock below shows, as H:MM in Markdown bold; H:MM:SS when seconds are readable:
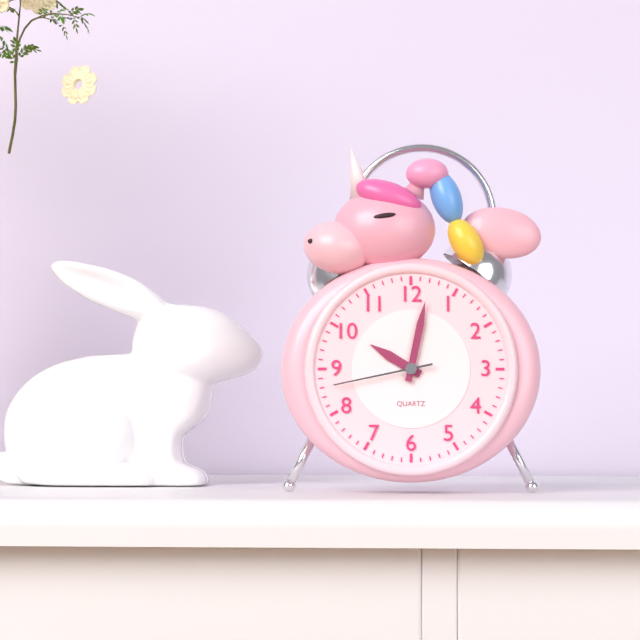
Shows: **10:02:43**
